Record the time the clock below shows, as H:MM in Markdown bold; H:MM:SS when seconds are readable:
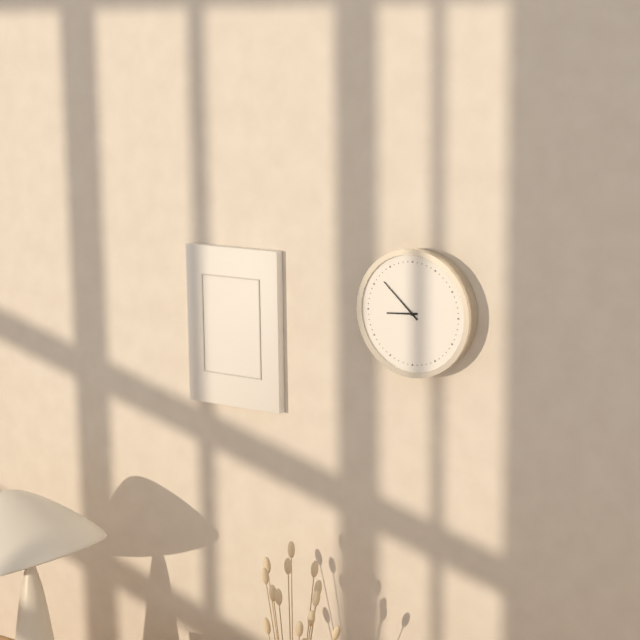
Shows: **8:52**
